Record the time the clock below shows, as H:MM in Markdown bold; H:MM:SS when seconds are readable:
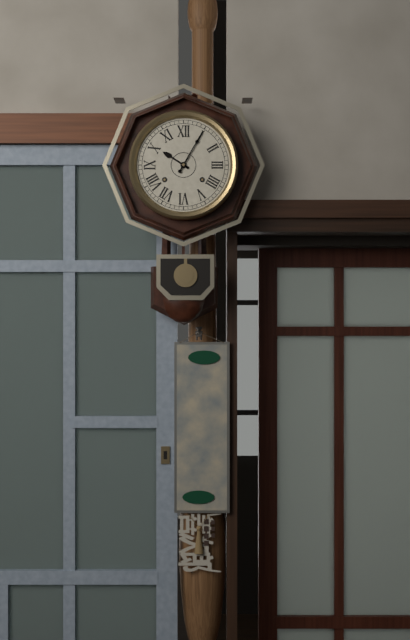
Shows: **10:05**
